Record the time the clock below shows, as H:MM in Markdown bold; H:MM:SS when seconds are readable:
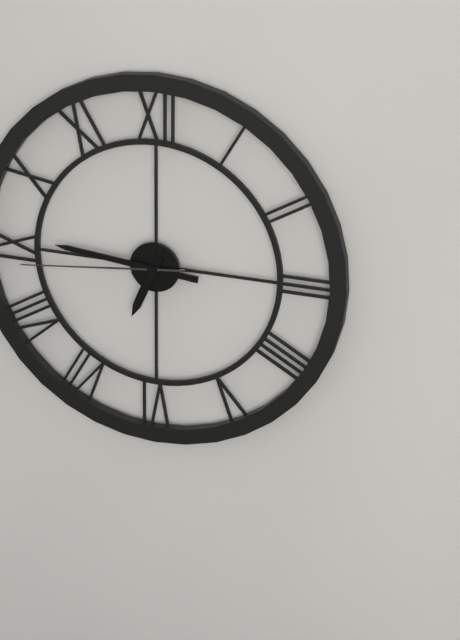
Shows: **6:46:44**
